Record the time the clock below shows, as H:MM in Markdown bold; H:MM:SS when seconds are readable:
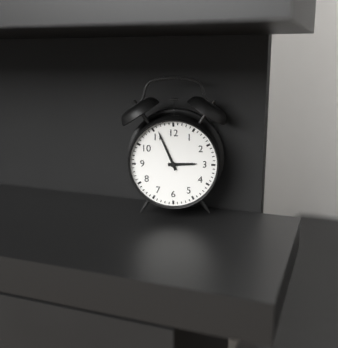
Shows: **2:56**
